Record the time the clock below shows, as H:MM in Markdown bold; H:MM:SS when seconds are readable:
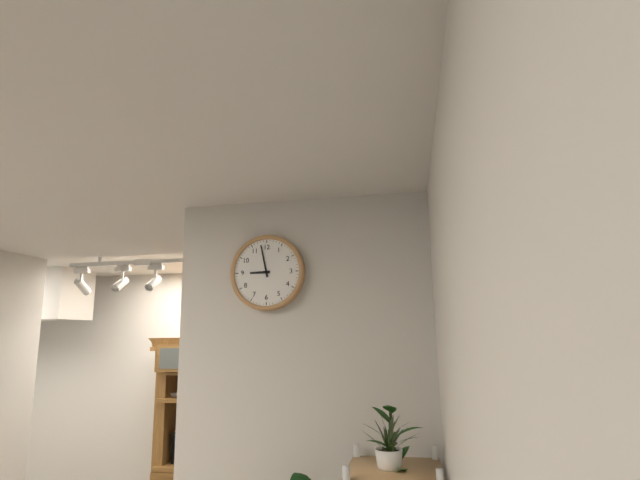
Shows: **8:58**
